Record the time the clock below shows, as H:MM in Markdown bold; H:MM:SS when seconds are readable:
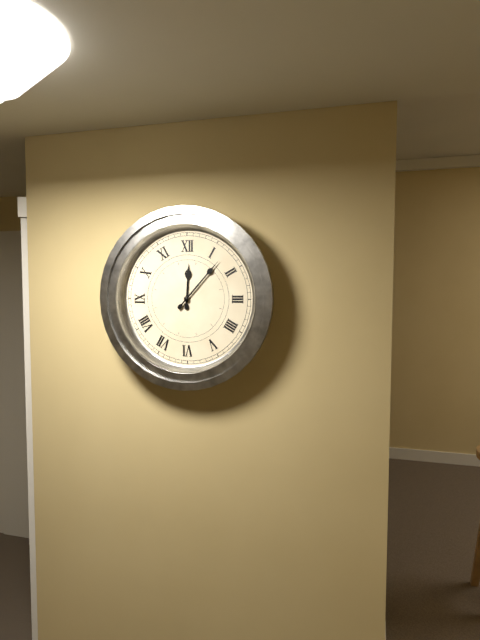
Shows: **12:07**
